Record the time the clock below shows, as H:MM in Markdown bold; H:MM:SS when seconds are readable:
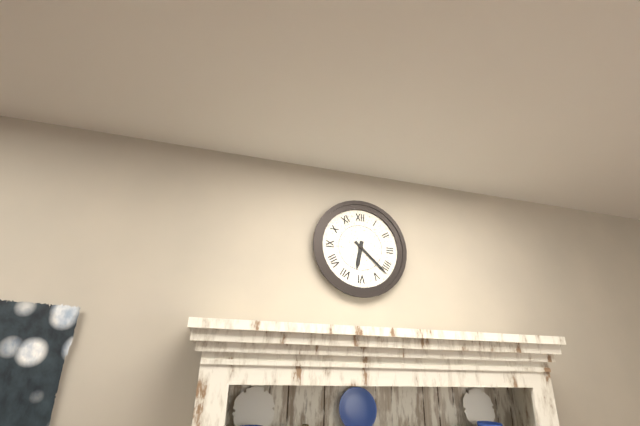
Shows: **6:22**
